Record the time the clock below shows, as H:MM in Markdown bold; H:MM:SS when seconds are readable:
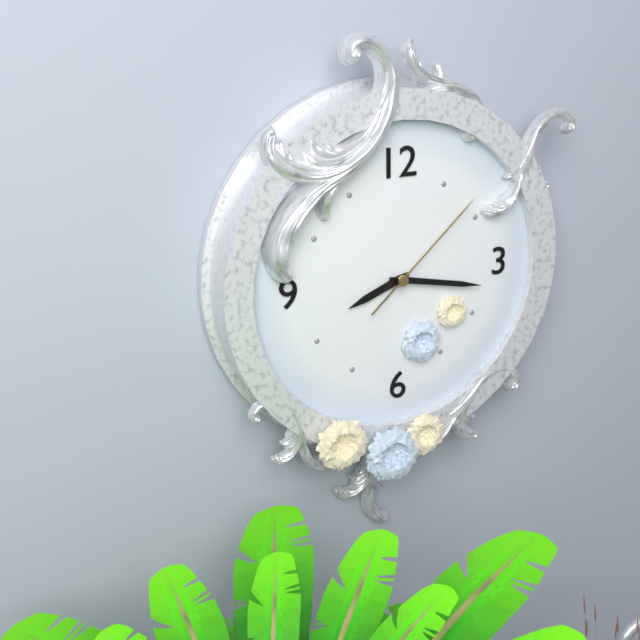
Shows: **8:17:08**
